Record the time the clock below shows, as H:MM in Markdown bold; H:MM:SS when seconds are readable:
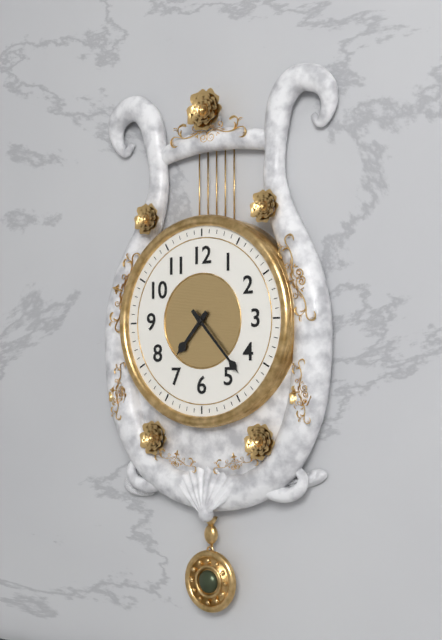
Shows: **7:23**
